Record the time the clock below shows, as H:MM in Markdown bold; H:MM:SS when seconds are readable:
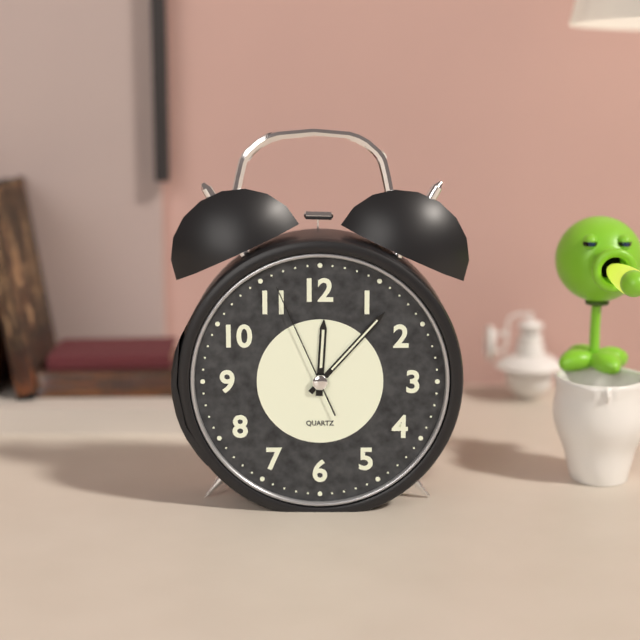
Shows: **12:07:56**
